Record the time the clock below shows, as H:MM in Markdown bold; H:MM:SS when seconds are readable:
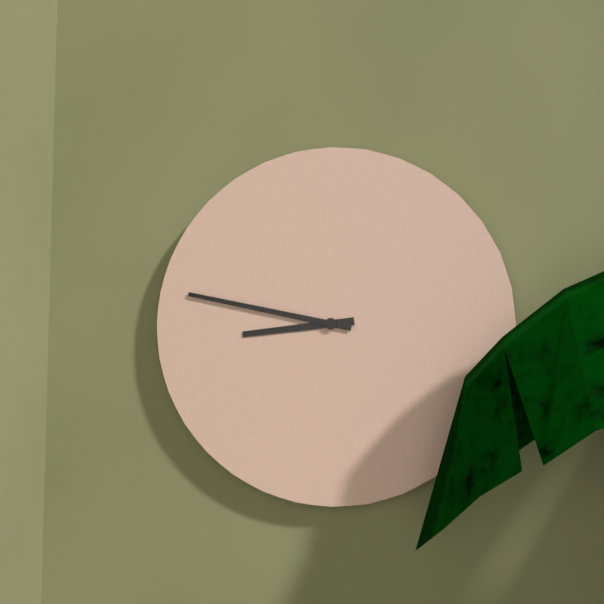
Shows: **8:47**
